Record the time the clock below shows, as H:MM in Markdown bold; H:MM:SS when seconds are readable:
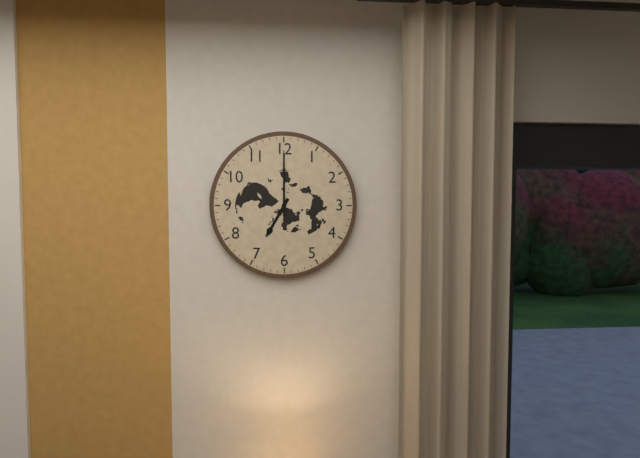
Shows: **7:00**
